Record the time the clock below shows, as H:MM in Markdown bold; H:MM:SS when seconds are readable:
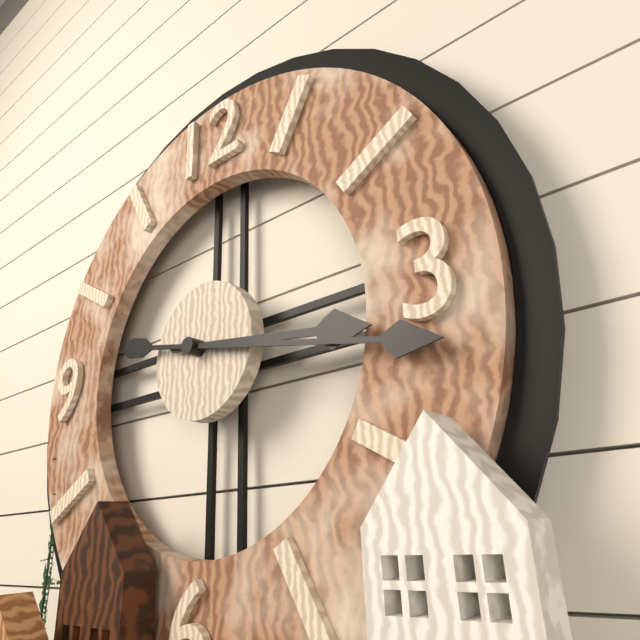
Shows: **3:17**
